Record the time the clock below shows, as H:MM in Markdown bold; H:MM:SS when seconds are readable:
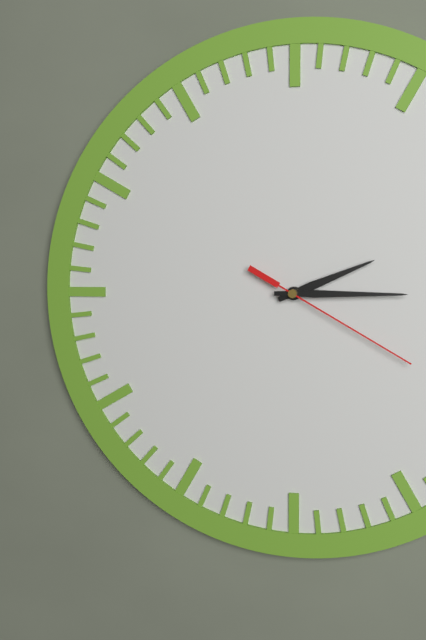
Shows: **2:15:20**
